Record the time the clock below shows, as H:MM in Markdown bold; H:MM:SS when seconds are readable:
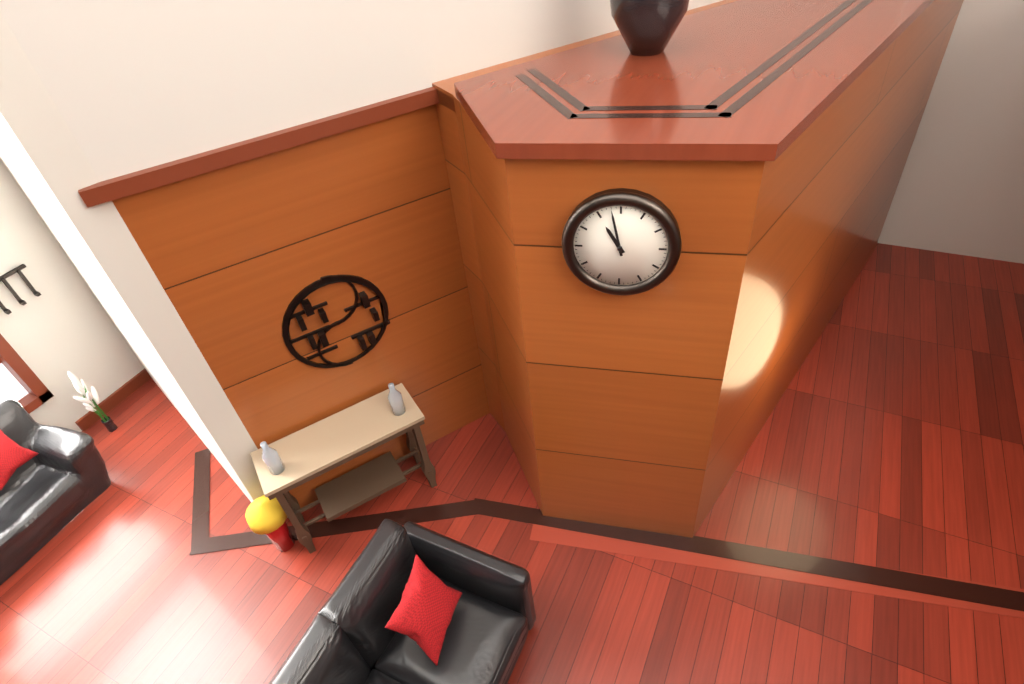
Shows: **10:58**
